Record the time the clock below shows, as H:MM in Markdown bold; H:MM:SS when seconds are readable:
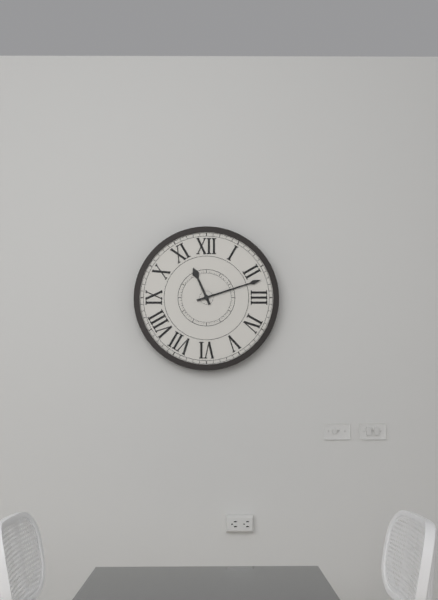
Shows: **11:12**
